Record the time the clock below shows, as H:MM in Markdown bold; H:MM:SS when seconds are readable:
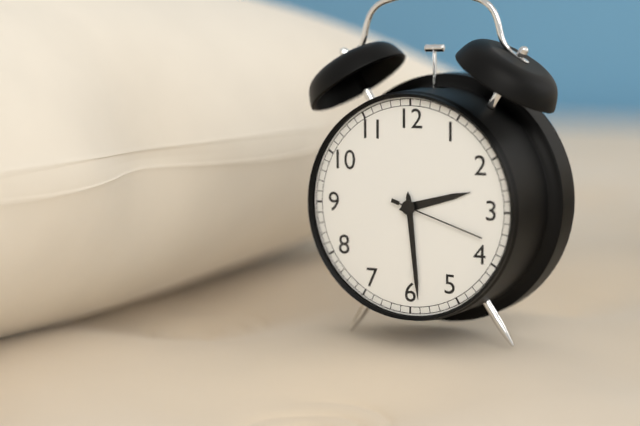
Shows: **2:29:18**
